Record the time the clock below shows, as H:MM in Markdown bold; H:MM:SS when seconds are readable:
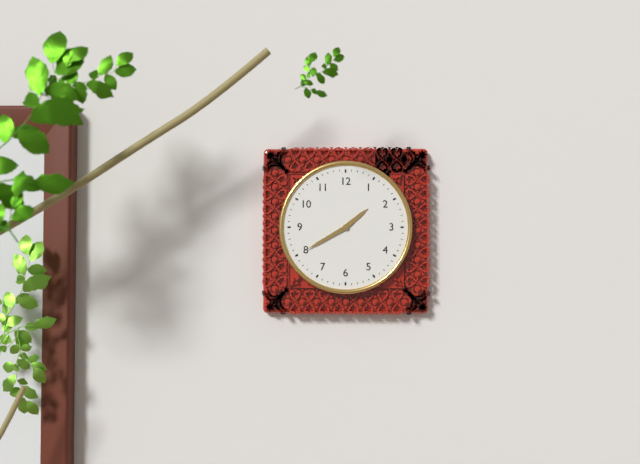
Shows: **1:40**
